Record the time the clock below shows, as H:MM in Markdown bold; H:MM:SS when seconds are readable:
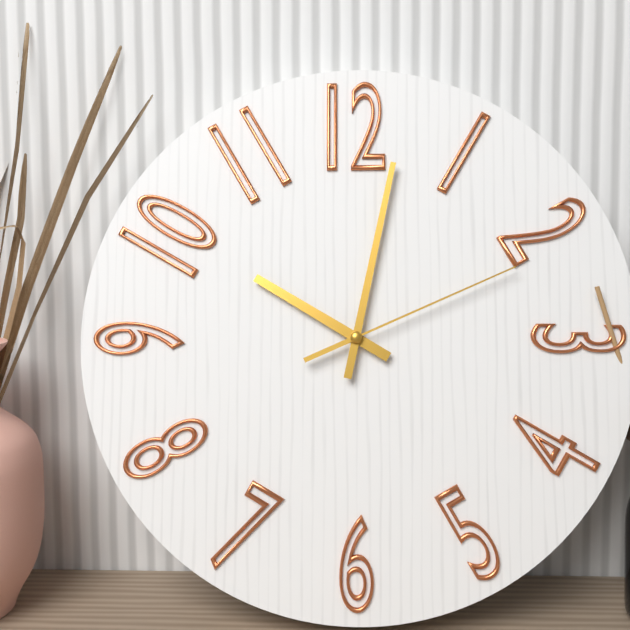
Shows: **10:02:11**
